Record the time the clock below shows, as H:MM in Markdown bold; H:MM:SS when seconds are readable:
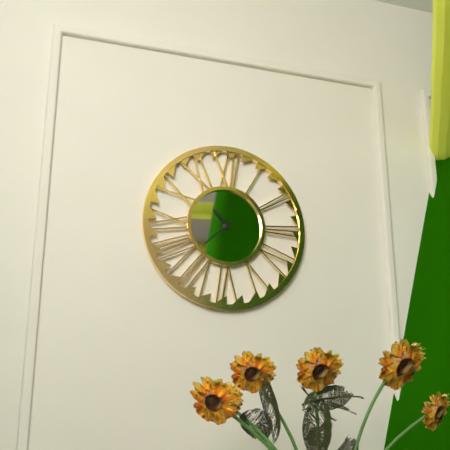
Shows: **10:38**
